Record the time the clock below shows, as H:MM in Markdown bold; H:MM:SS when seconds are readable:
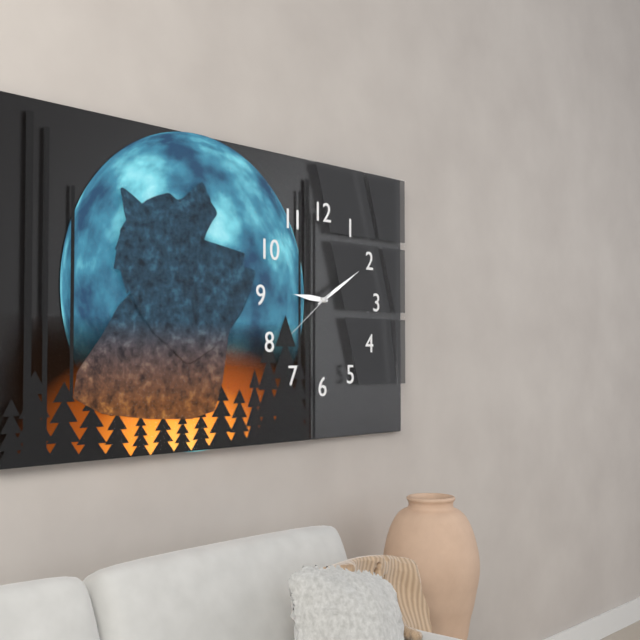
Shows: **9:10**
